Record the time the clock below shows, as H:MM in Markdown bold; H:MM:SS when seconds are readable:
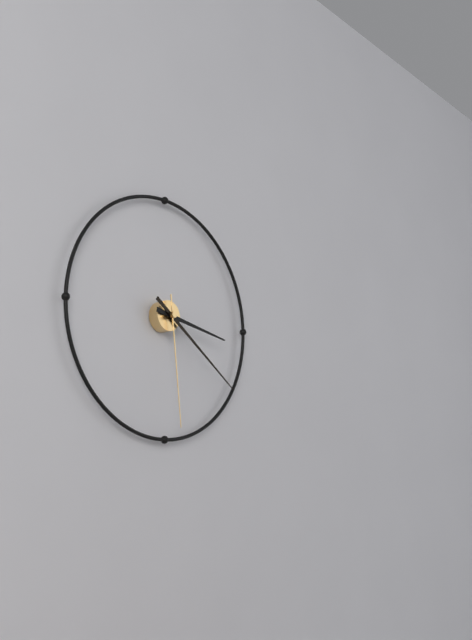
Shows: **3:21:29**
